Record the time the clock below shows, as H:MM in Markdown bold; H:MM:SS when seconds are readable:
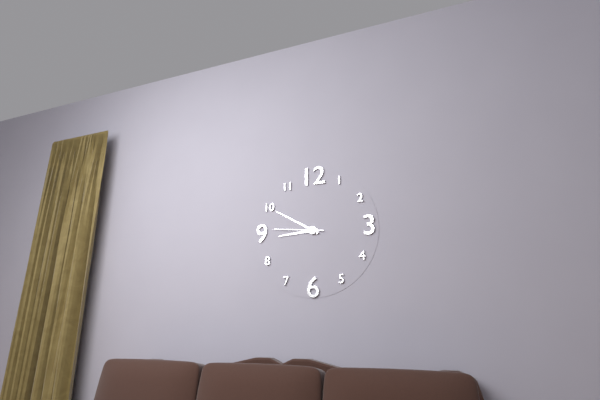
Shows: **8:50:46**
